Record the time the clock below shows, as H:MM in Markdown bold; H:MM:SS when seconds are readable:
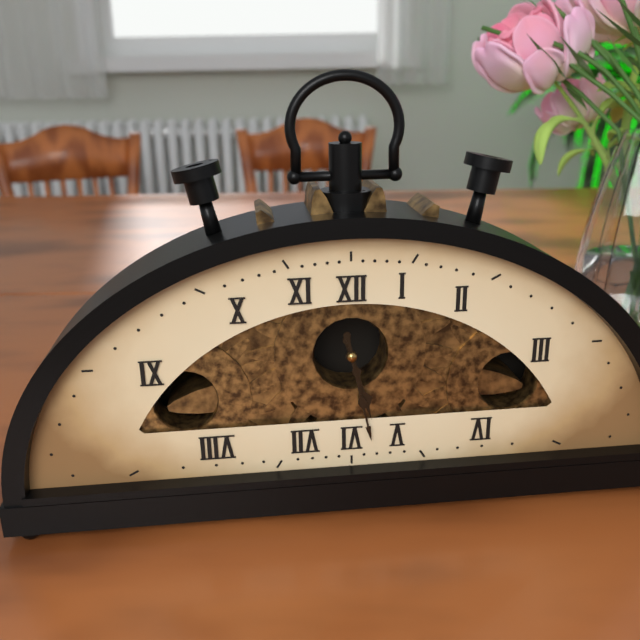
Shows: **5:28**
